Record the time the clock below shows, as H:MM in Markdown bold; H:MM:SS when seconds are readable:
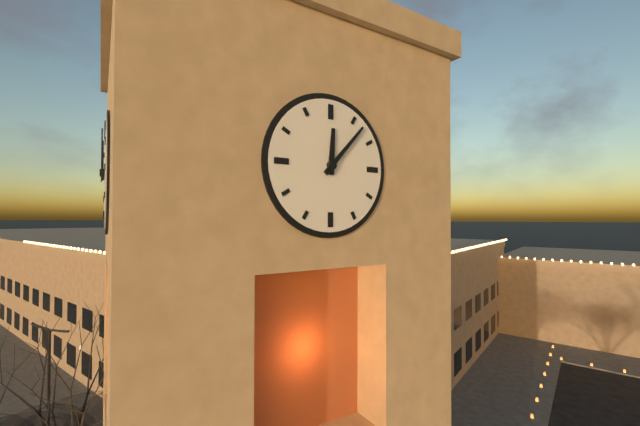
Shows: **12:07**
